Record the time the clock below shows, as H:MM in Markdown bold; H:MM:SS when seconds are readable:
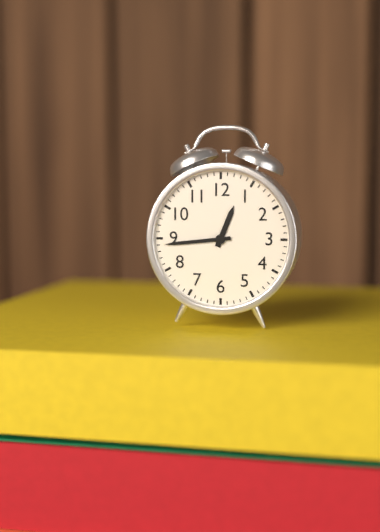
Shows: **12:44**
